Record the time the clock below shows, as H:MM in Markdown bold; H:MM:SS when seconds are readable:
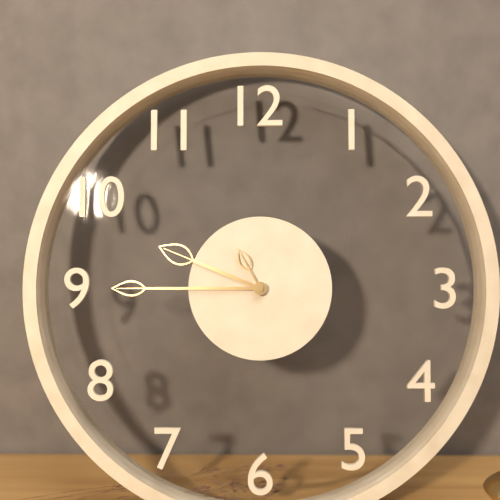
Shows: **9:45:55**
